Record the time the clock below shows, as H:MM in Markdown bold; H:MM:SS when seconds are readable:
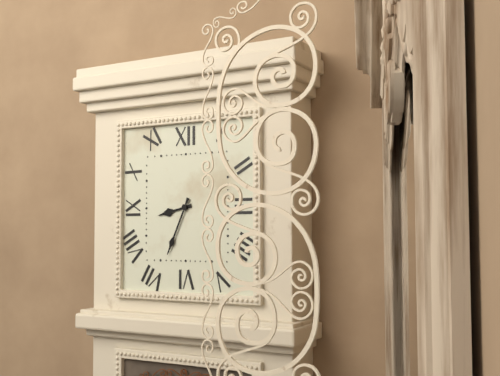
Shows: **8:34**
